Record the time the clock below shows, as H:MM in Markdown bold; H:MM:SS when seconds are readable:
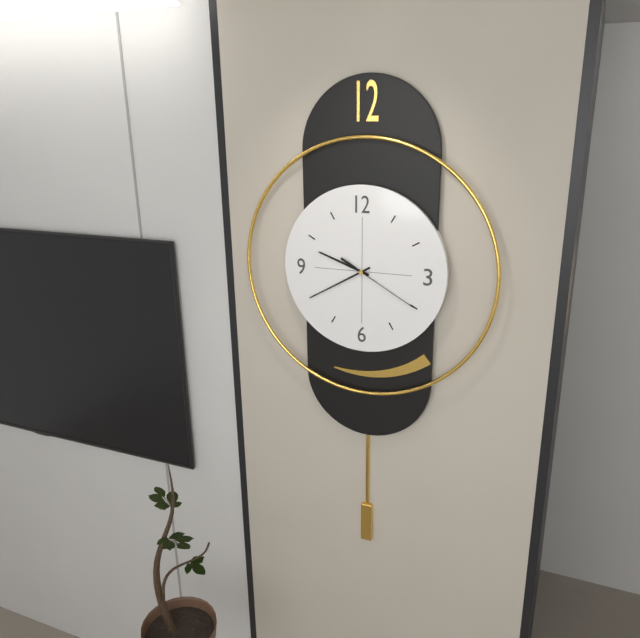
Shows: **9:40:20**
